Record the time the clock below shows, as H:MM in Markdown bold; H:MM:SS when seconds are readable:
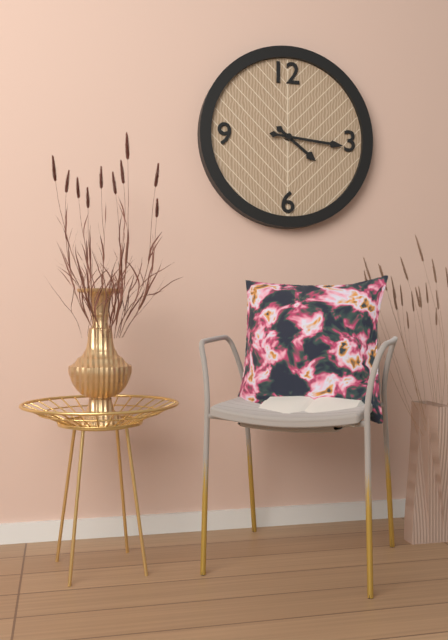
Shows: **4:16**
